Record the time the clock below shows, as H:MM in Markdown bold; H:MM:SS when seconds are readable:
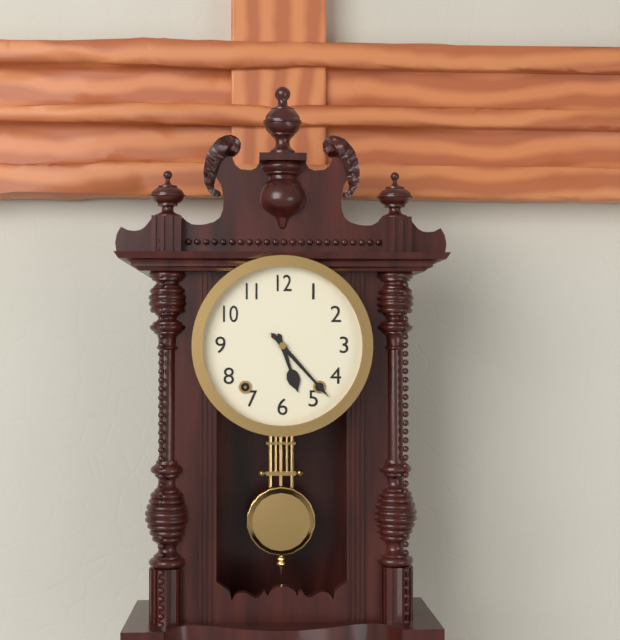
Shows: **5:23**
